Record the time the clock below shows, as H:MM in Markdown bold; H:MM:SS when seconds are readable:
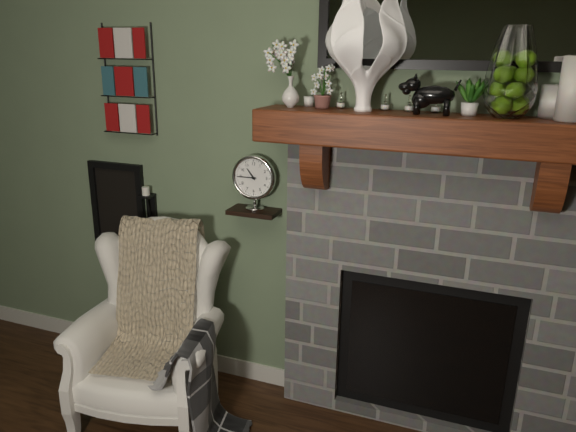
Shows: **10:45**
